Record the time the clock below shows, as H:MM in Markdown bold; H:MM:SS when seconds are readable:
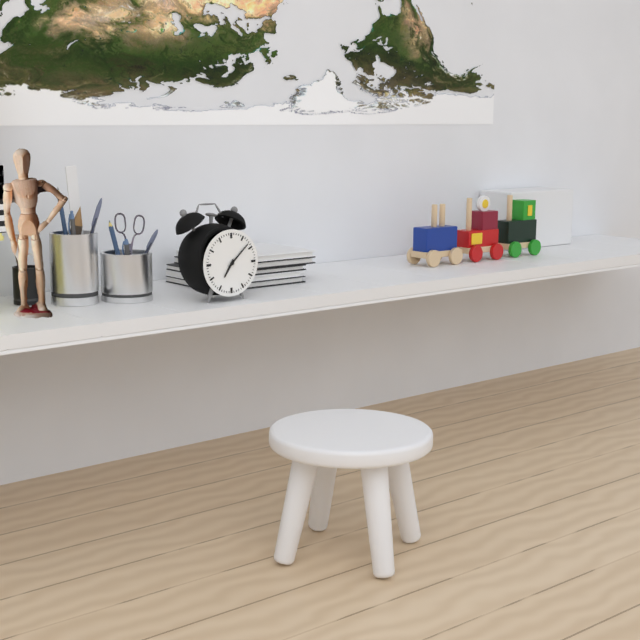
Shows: **7:08**
